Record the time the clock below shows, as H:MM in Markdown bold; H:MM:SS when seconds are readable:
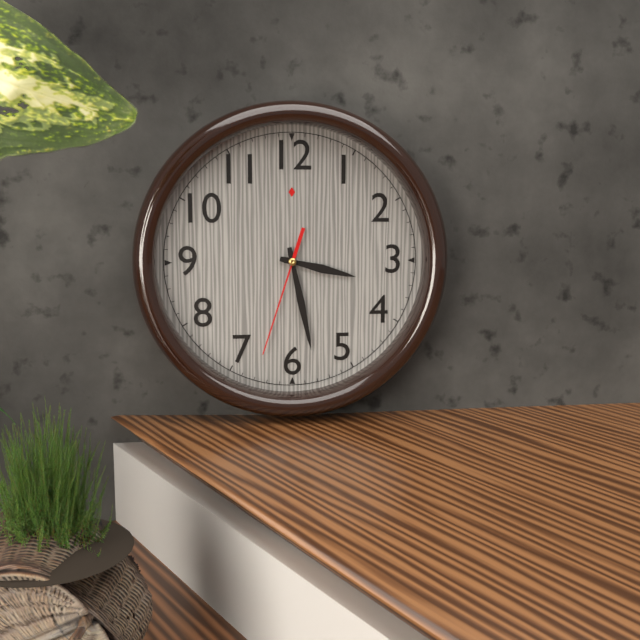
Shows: **3:28:33**
